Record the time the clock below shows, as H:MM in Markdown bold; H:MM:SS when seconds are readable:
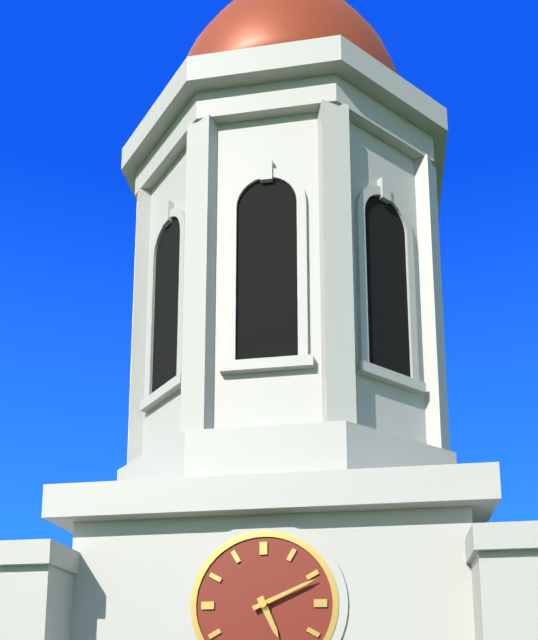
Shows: **5:11**
